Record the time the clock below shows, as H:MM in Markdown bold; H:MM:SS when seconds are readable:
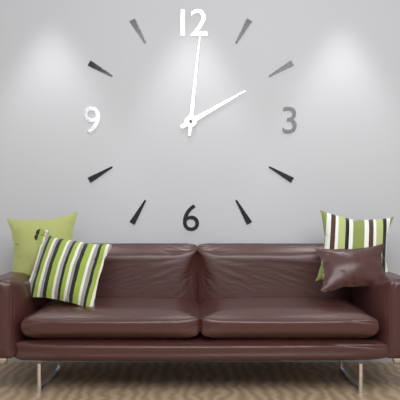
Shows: **2:01**
